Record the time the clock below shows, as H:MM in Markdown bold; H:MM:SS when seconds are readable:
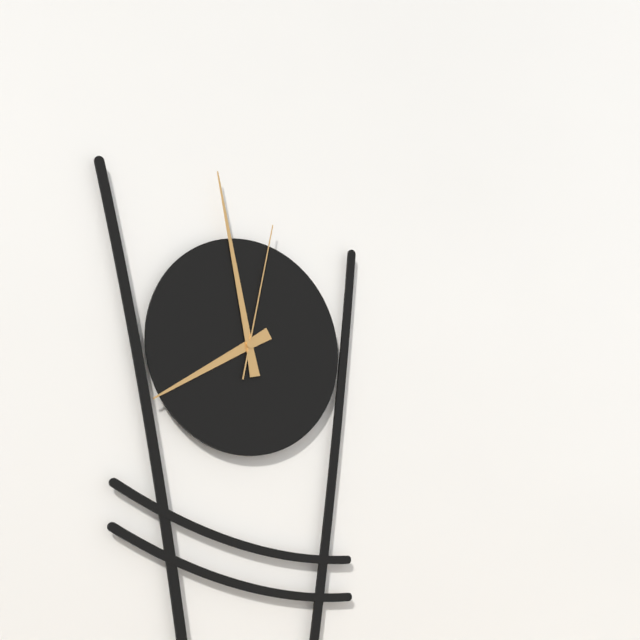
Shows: **7:58:02**
